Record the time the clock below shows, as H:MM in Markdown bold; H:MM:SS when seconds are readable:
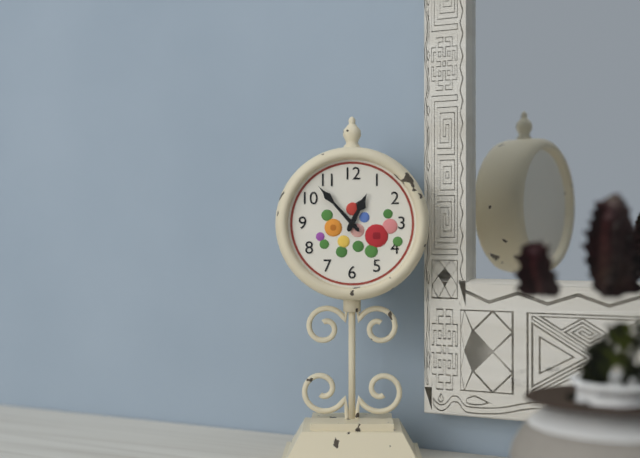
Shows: **12:53**
